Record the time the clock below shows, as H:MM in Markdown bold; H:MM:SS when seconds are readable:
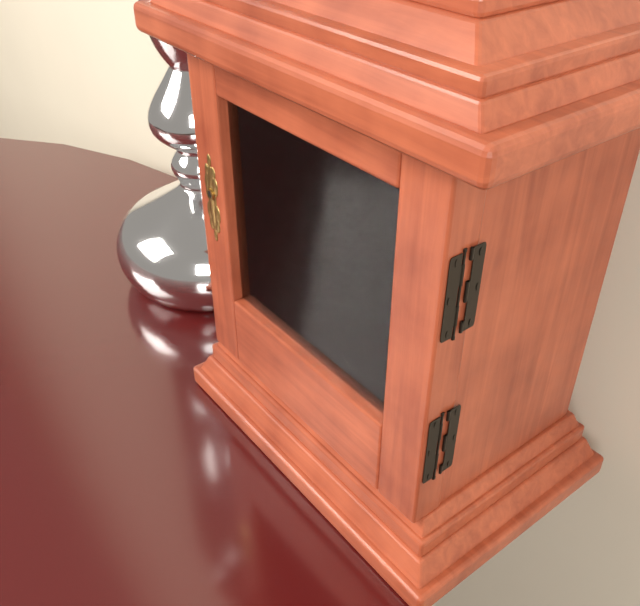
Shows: **4:33**
